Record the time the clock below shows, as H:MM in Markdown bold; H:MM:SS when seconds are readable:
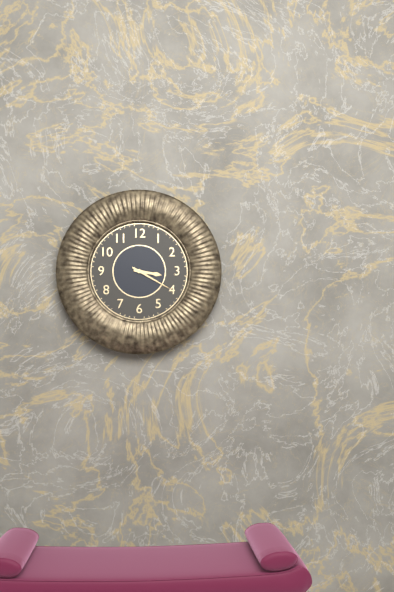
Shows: **3:20**
